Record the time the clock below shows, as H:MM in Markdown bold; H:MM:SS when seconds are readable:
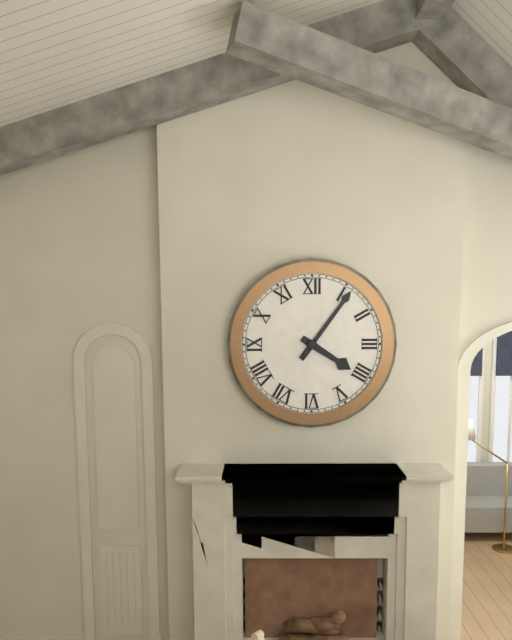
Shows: **4:06**
